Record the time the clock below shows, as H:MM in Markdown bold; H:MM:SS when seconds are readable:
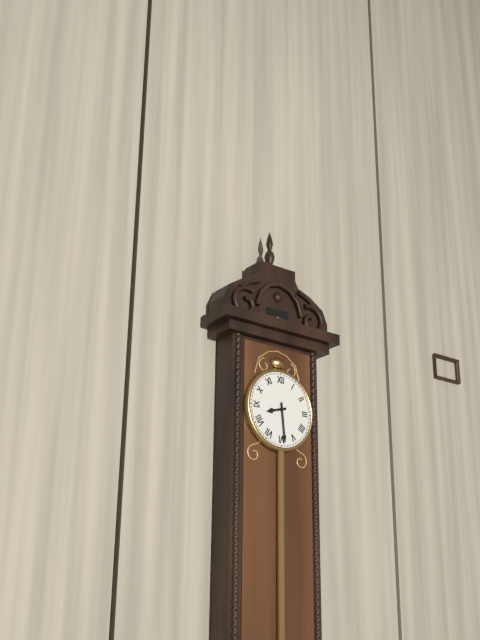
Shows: **8:29**
